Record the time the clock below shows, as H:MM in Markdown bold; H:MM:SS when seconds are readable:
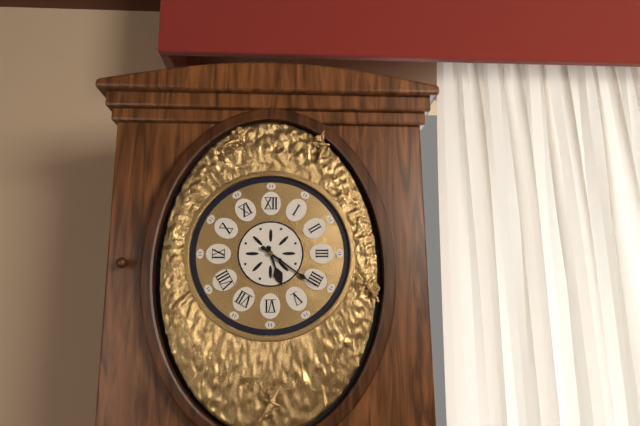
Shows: **5:21**
